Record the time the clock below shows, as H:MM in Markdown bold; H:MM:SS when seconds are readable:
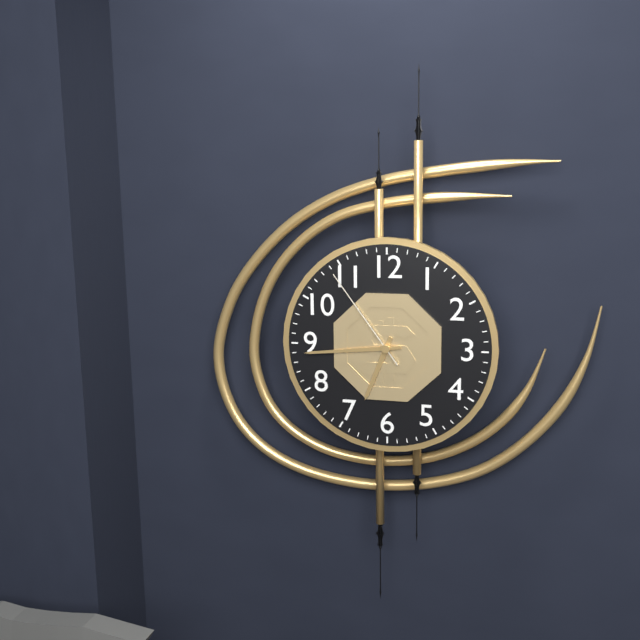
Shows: **6:44:54**
